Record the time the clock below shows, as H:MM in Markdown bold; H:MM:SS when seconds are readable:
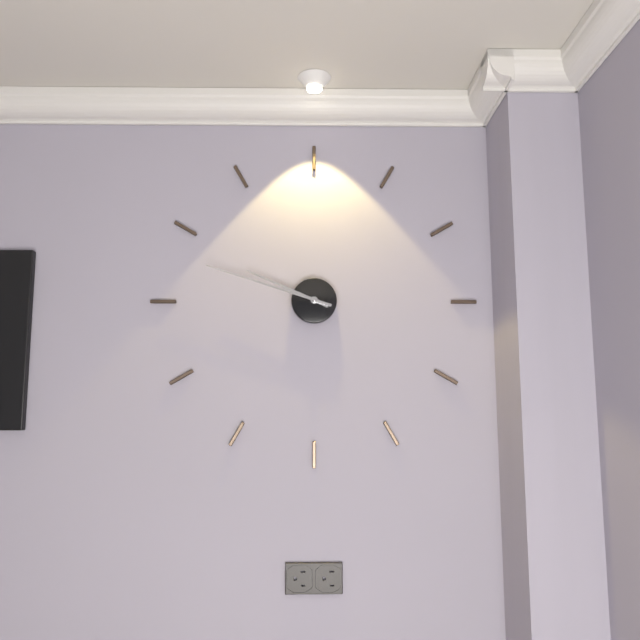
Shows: **9:48**
